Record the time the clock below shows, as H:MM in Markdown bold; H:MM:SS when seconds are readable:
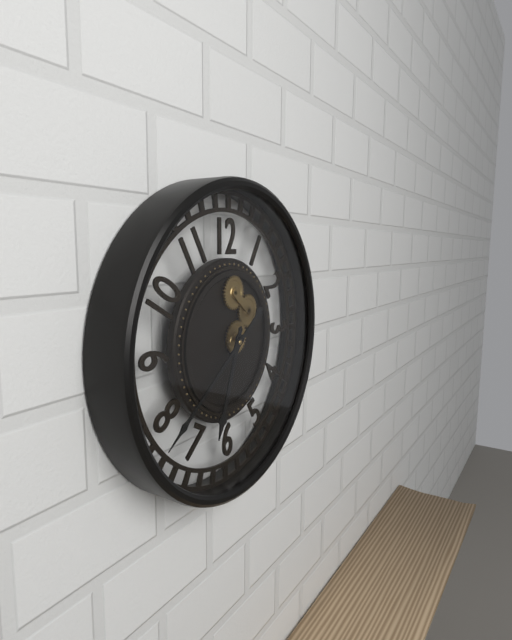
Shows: **6:39**
